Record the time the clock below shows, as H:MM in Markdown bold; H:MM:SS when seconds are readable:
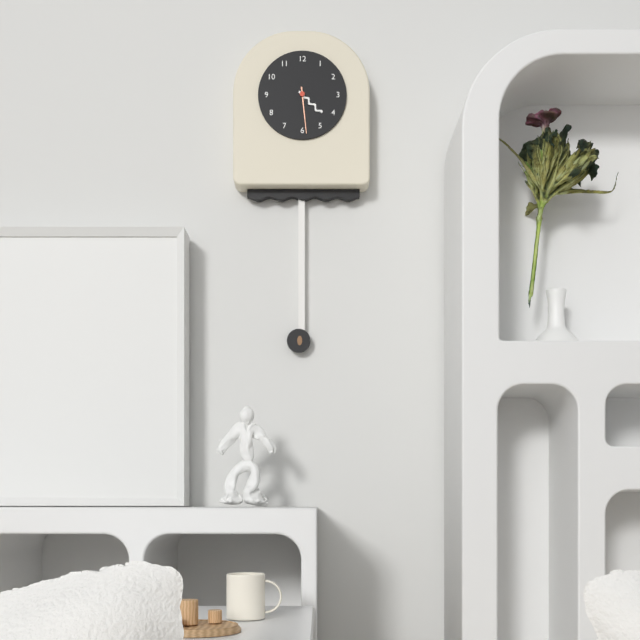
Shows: **4:29**
